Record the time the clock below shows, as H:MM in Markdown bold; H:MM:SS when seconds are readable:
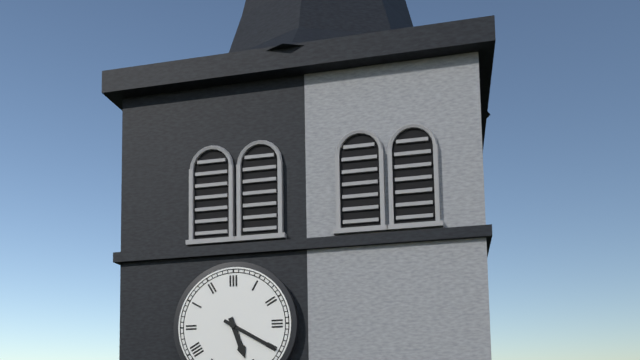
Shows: **5:20**
